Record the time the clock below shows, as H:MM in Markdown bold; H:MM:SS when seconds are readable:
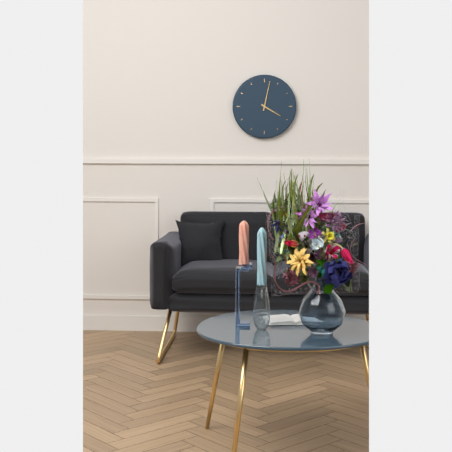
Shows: **4:02**
